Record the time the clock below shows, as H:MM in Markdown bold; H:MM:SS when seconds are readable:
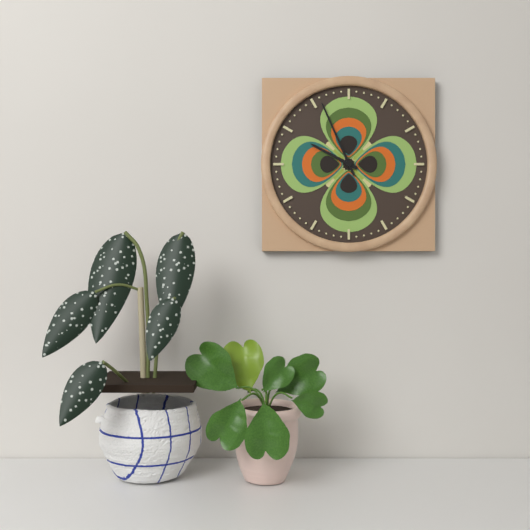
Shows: **9:56**
